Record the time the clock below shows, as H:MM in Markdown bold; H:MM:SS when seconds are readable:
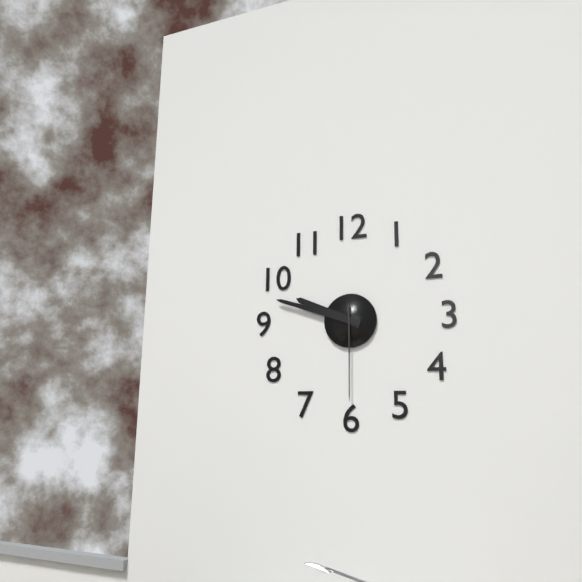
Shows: **9:48:30**
